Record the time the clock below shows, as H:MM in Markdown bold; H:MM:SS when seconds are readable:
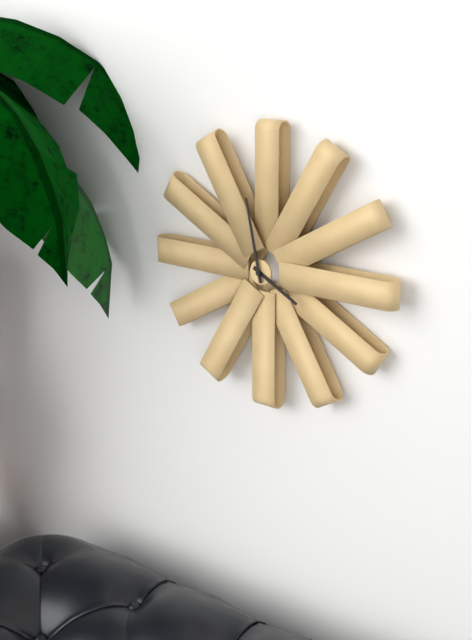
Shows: **3:58**
